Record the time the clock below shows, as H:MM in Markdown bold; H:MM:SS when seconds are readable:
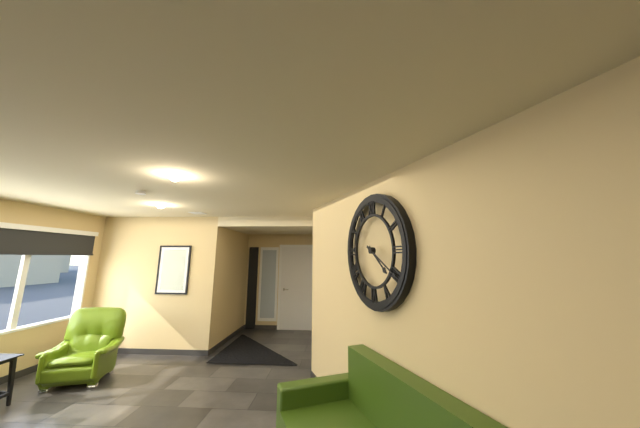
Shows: **4:20**
